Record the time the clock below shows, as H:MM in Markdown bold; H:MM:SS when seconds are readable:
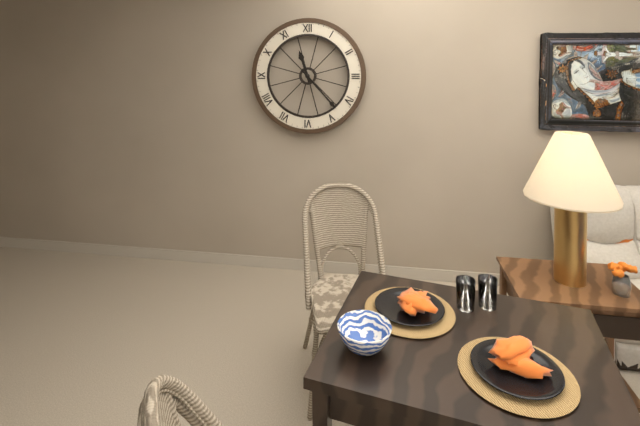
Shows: **11:23**
